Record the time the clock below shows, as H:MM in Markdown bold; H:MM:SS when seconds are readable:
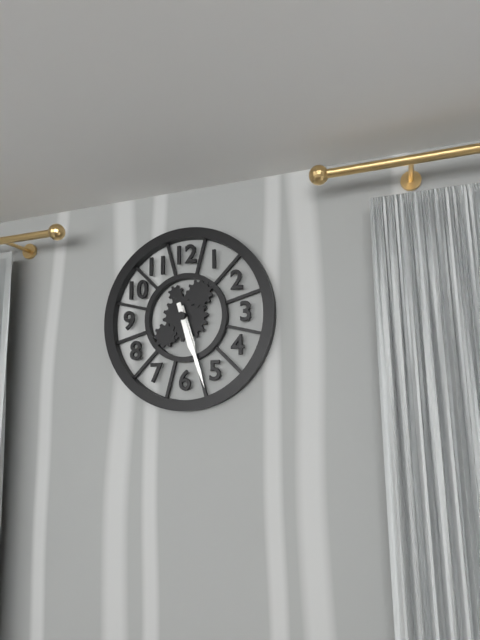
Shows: **5:27**
